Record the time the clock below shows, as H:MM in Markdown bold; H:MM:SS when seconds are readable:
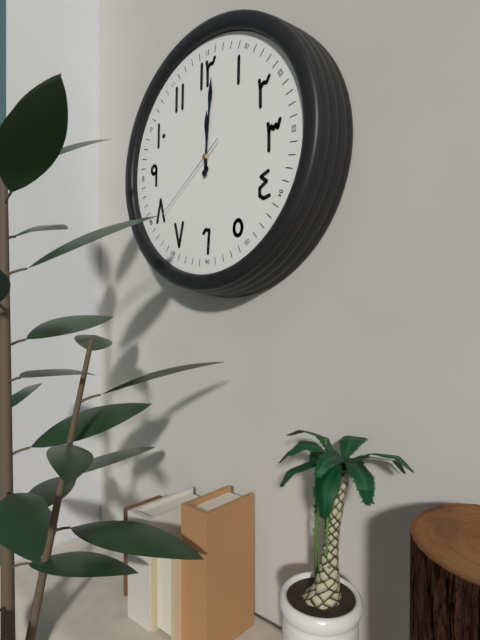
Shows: **12:01:39**
